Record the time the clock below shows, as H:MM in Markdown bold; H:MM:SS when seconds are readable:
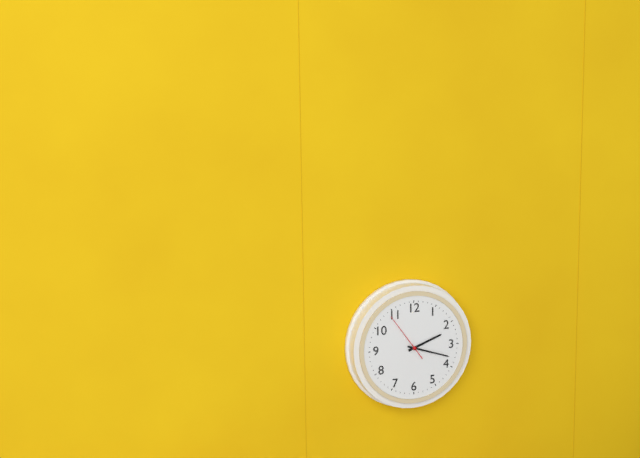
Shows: **2:18**
